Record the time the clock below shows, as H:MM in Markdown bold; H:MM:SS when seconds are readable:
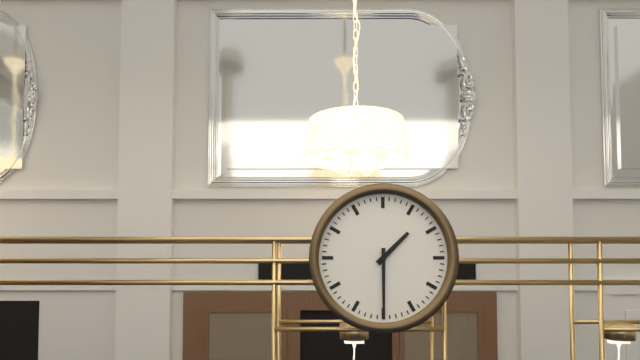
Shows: **1:30**
